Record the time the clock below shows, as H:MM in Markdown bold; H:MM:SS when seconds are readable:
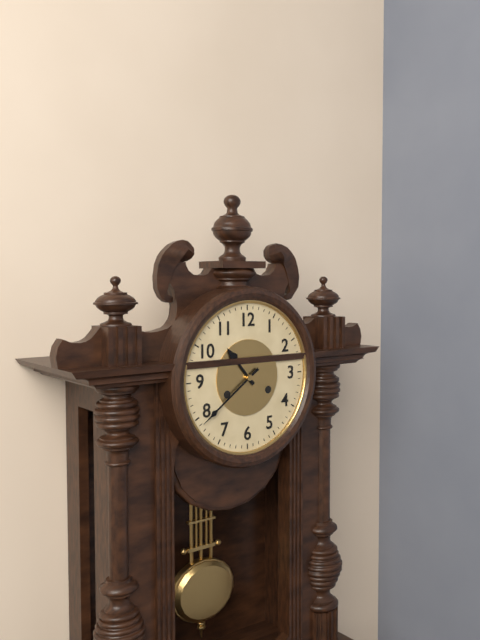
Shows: **10:39**
